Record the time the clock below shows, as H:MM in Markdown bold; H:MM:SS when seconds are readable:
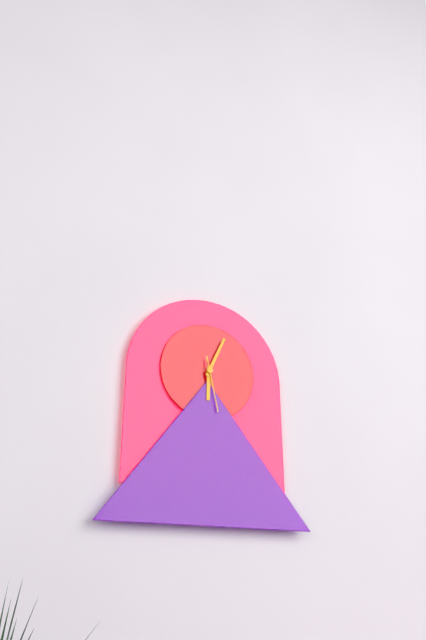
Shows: **6:04:28**
